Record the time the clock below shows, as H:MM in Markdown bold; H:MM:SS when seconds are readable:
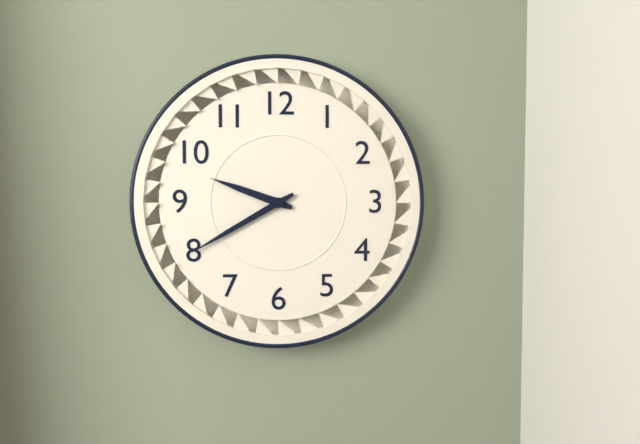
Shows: **9:40**
